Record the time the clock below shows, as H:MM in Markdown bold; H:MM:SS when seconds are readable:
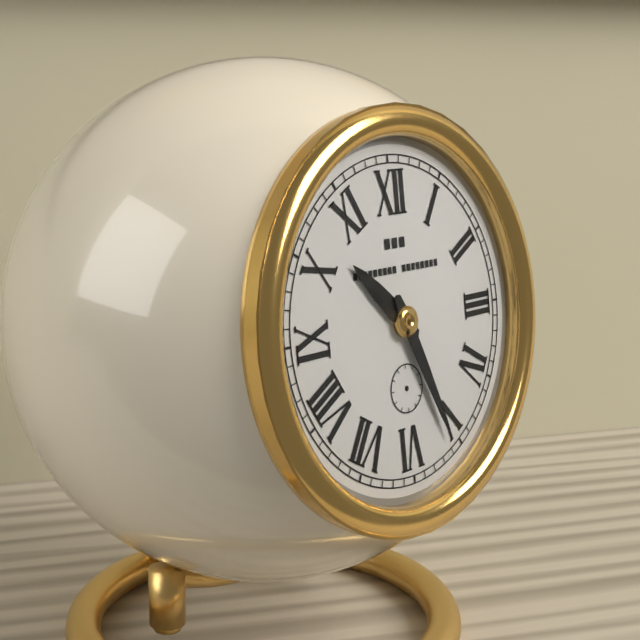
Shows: **10:26**
